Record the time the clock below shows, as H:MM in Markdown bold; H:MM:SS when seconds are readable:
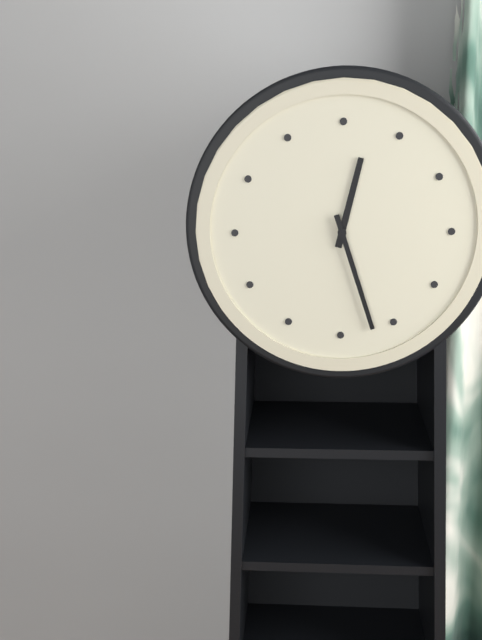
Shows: **12:27**
